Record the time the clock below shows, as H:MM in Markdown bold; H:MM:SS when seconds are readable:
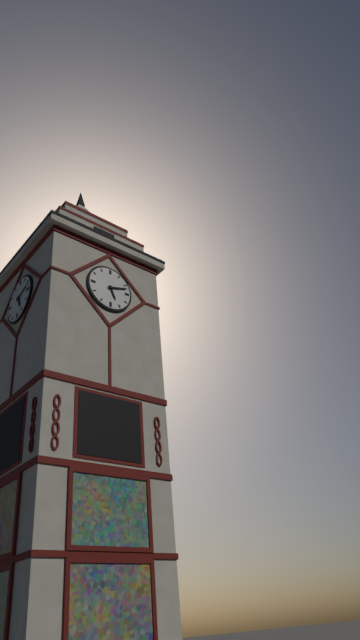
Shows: **5:12**
